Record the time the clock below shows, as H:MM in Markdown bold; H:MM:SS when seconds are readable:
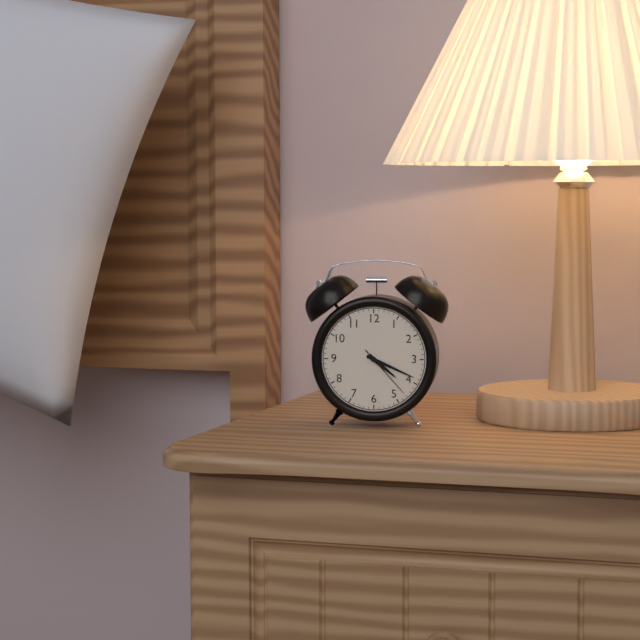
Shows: **4:19:23**
